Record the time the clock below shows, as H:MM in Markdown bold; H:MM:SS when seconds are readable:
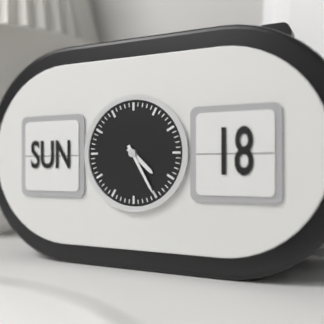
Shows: **4:25**
